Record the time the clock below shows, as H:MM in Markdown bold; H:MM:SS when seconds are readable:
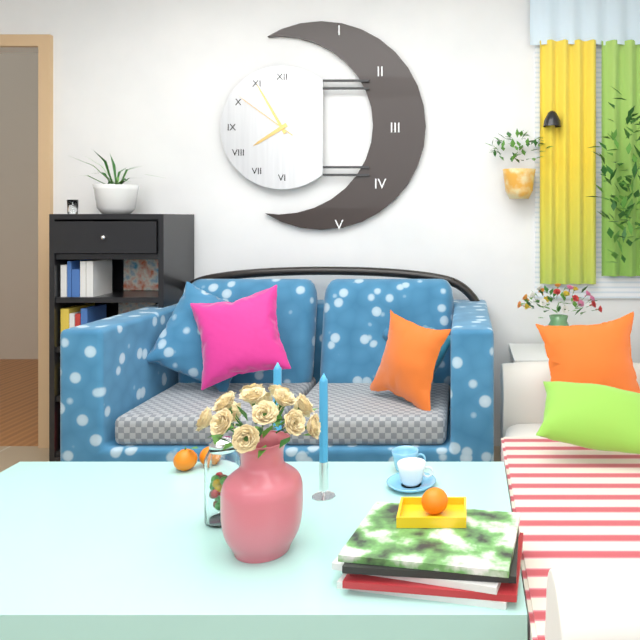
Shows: **7:55:51**
